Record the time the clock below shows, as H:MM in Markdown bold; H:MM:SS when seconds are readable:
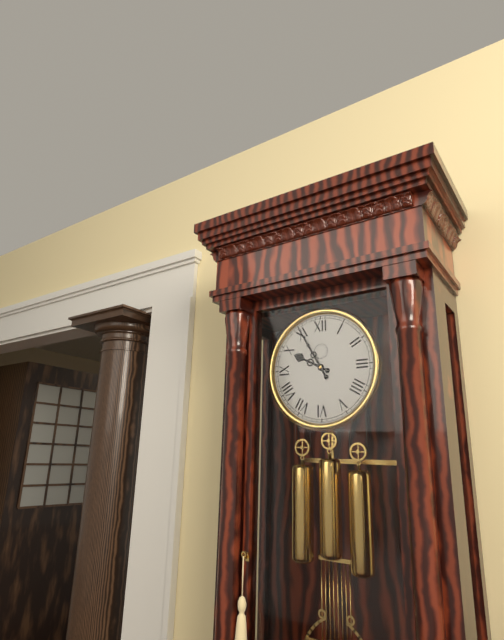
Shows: **9:55**
